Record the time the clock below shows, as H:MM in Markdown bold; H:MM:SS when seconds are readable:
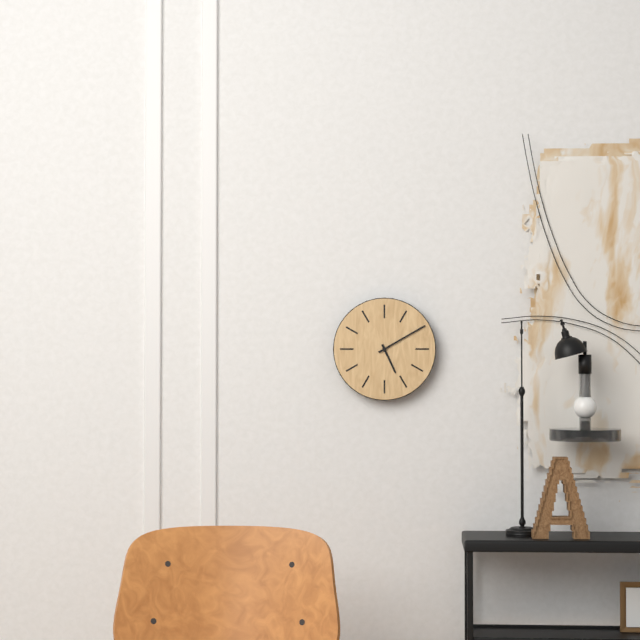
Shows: **5:10**
